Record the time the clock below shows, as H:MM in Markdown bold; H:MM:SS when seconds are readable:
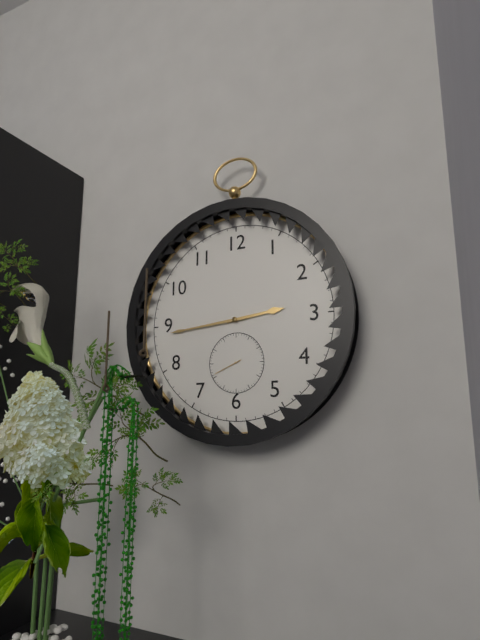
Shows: **2:44**
